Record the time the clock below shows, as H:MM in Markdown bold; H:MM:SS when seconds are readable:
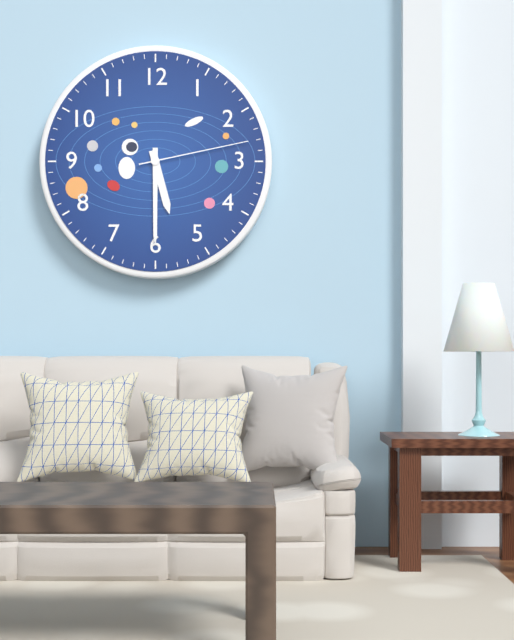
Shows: **5:30:13**
